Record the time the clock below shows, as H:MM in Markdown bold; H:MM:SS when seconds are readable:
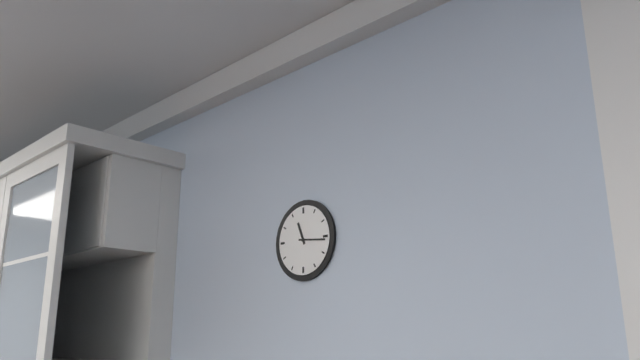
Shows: **11:16**
